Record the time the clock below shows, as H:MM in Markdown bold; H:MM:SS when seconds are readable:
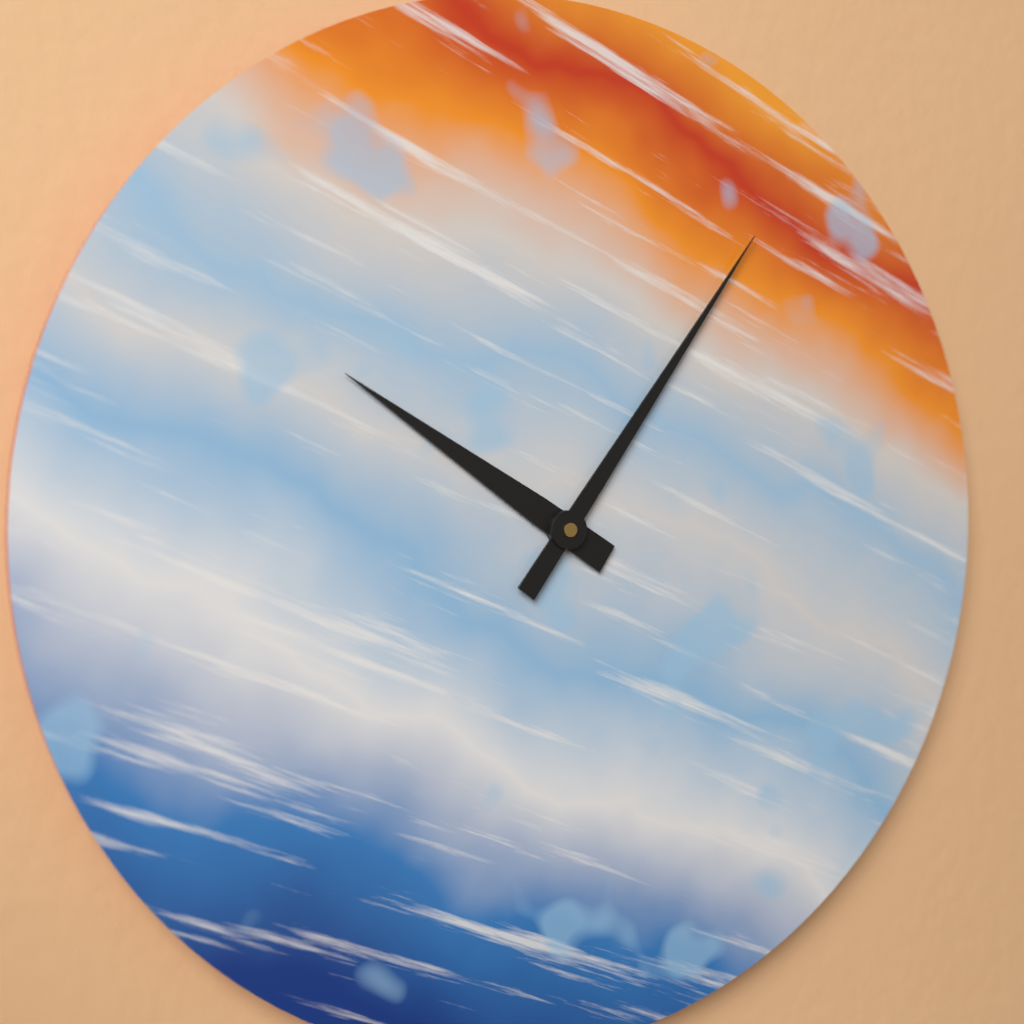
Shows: **10:06**
